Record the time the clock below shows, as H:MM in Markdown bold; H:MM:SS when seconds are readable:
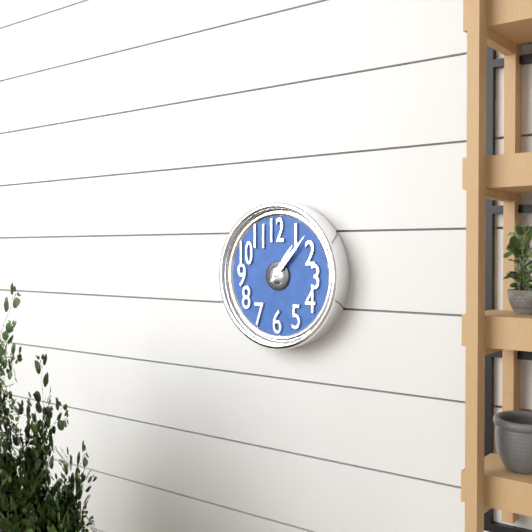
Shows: **1:07**
